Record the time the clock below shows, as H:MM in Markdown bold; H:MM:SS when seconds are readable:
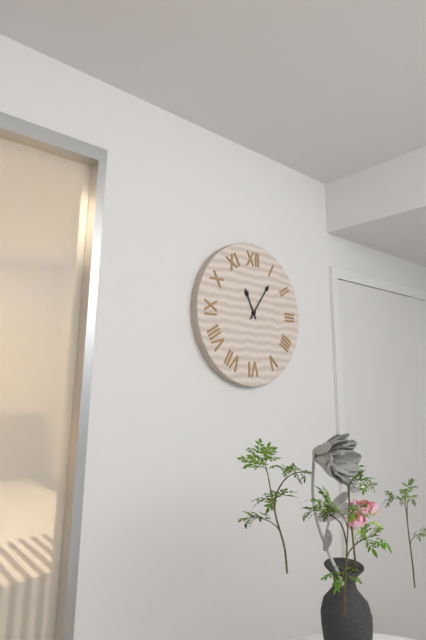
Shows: **11:06**
